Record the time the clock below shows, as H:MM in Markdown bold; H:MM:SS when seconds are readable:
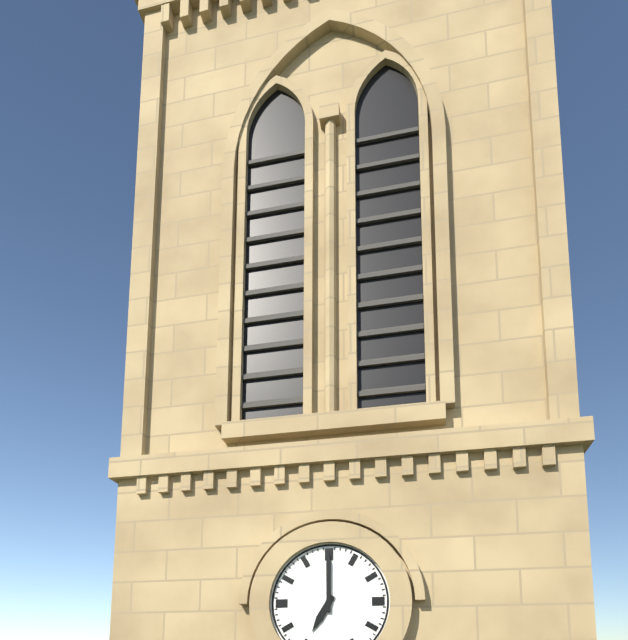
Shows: **7:00**
